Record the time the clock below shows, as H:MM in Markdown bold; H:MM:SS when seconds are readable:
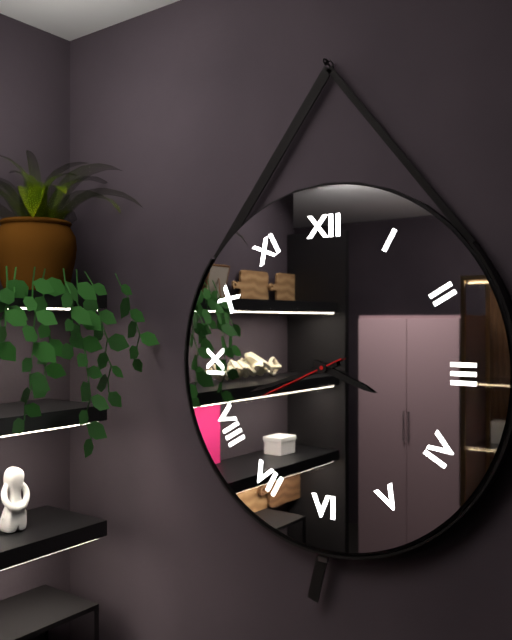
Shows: **3:42:41**
